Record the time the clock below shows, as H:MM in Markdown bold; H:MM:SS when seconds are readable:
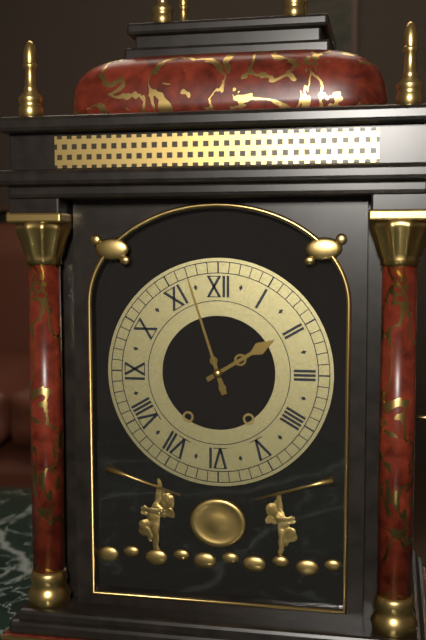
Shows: **1:57**
